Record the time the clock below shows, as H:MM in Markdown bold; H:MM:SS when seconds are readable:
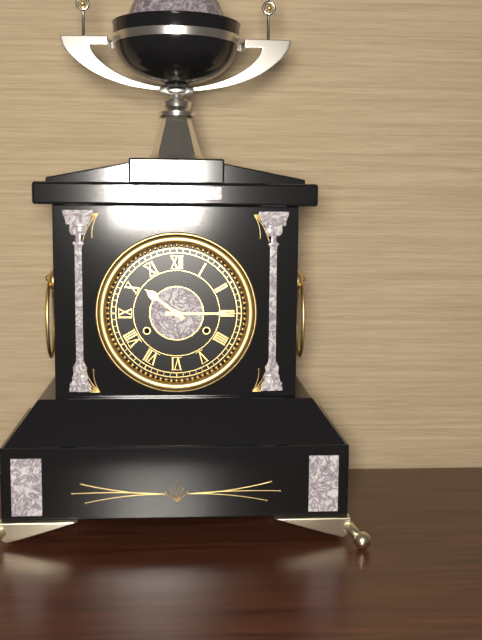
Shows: **10:15**
